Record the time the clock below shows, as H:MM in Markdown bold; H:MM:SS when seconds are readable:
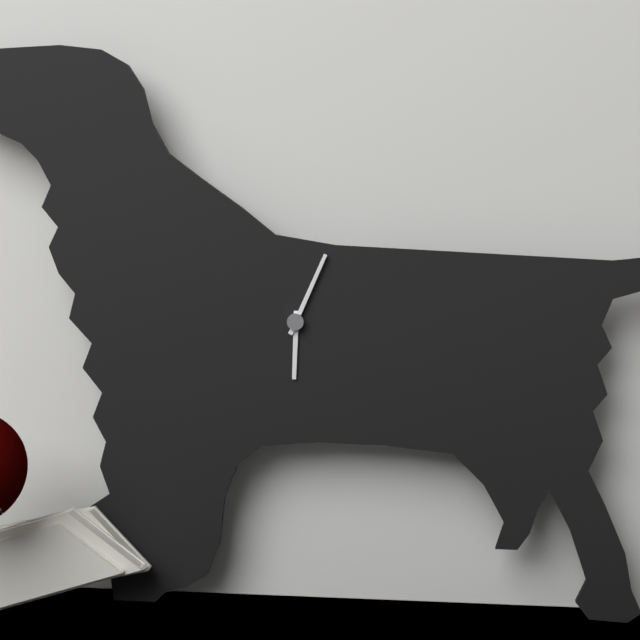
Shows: **6:04**
